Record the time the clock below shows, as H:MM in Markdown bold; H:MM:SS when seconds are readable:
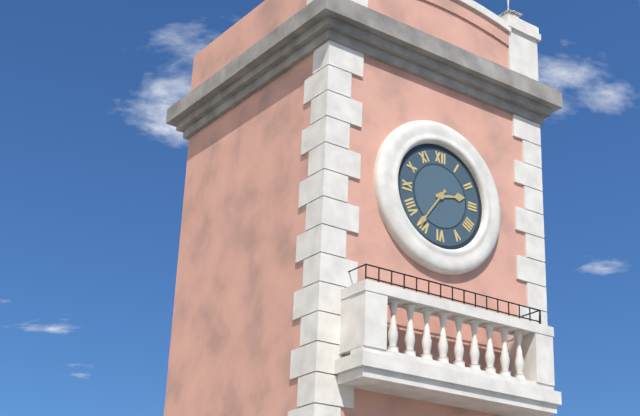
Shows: **2:36**
